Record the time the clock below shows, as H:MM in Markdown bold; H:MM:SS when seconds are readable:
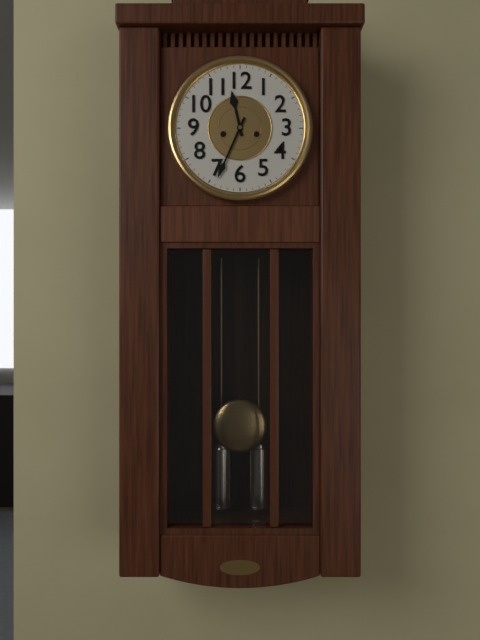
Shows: **11:34**
